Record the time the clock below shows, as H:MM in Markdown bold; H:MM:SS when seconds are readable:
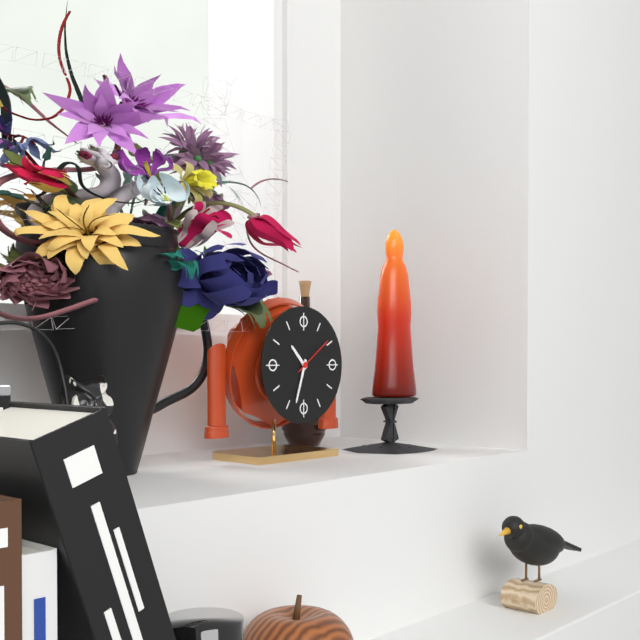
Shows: **10:33**
